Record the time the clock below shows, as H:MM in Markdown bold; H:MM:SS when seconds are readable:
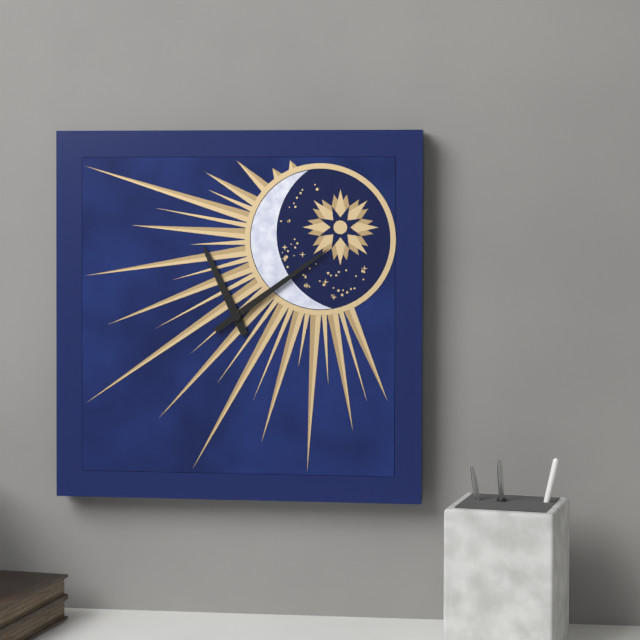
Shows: **11:09**
